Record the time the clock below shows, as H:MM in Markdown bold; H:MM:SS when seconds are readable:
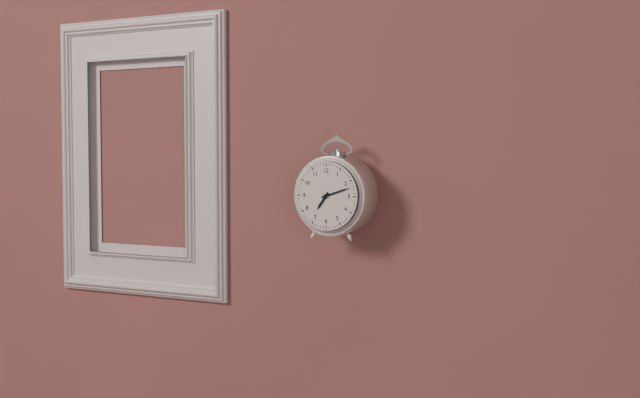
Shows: **7:12**
